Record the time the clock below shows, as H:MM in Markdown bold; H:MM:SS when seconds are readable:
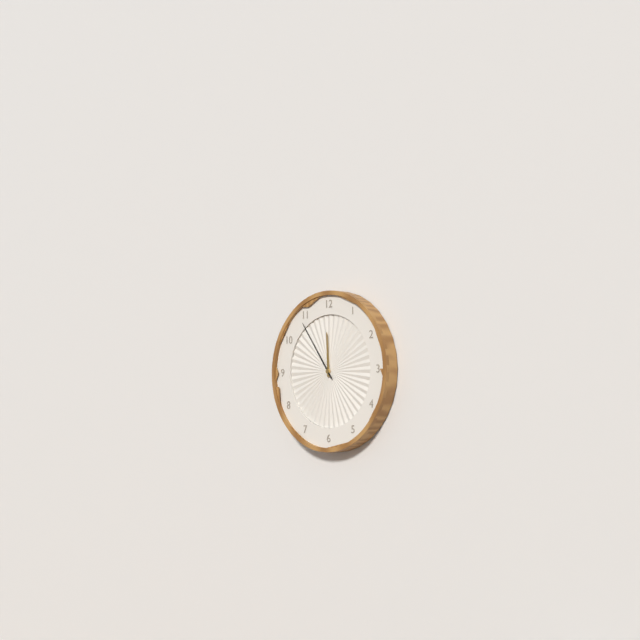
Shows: **11:54**
